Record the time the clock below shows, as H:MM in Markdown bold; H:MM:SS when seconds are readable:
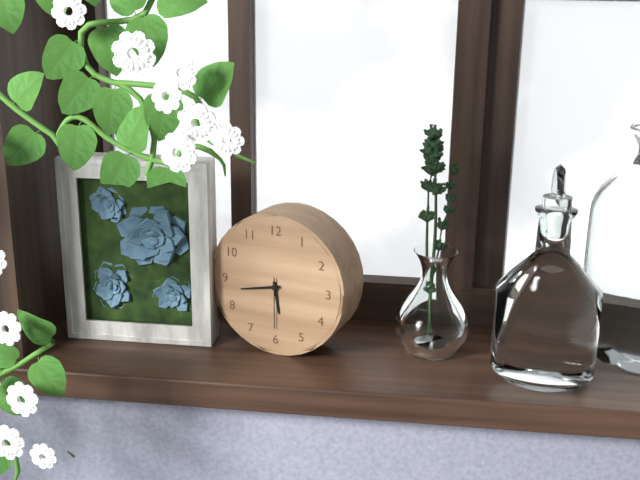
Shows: **5:43:30**
